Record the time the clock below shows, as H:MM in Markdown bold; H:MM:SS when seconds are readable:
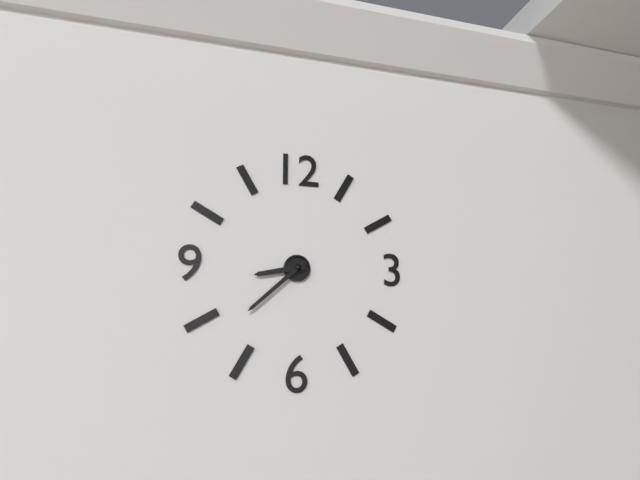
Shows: **8:38**
